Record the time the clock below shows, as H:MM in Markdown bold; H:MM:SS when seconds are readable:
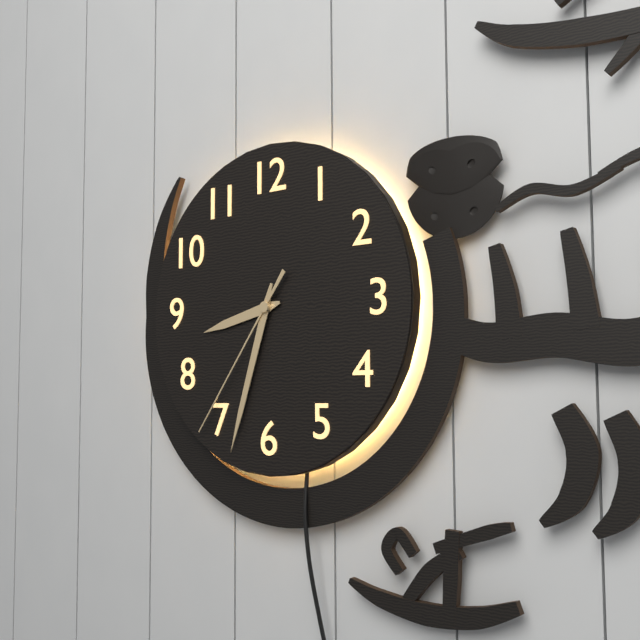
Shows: **8:33:36**
